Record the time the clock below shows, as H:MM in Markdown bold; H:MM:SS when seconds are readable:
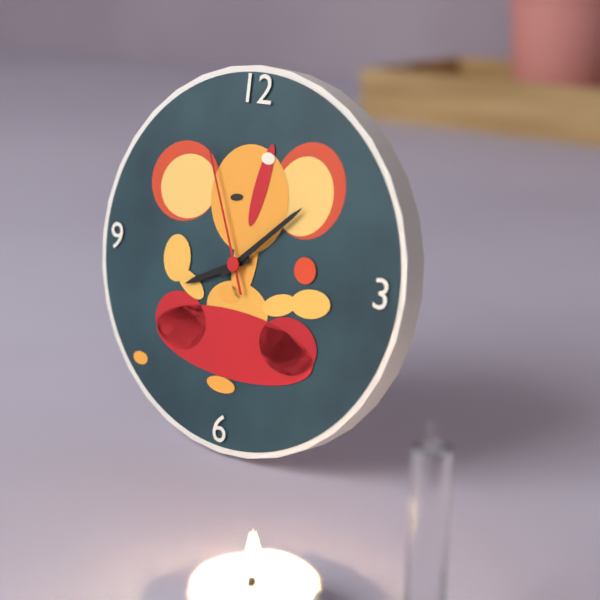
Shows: **8:08:56**
